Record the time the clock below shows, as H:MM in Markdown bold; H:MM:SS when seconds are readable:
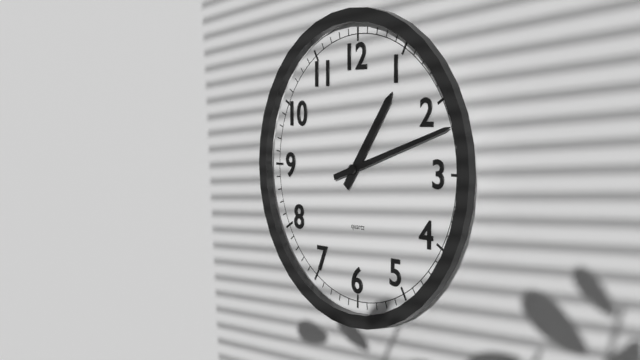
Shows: **1:12**
